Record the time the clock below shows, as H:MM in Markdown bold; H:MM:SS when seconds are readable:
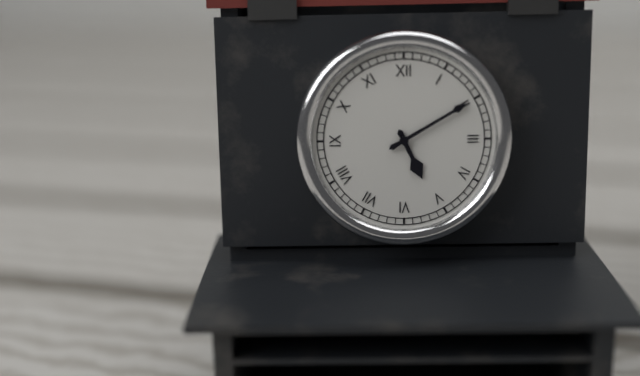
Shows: **5:10**
